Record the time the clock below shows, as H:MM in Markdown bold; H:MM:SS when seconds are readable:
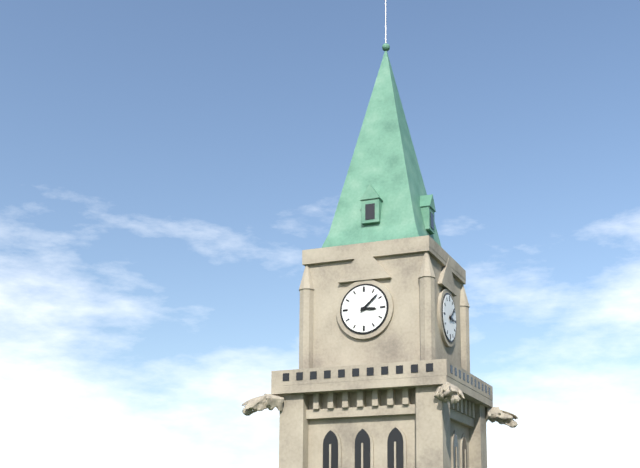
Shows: **3:08**
